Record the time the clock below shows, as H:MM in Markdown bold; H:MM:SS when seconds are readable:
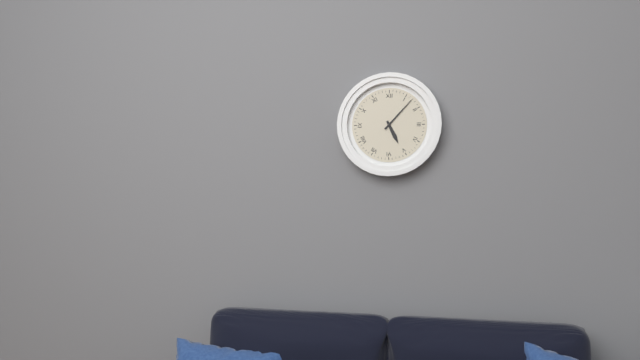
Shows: **5:07**
